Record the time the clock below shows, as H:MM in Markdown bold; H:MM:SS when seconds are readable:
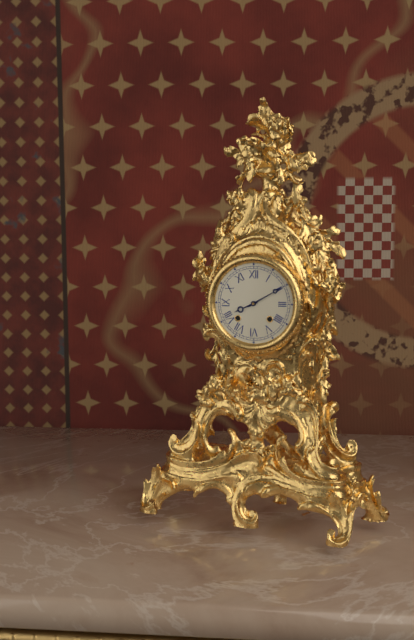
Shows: **8:10**
